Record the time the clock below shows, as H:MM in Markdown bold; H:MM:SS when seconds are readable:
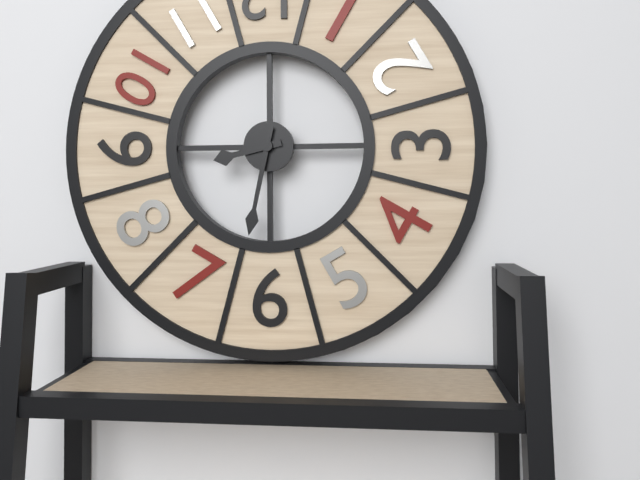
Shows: **8:32**
